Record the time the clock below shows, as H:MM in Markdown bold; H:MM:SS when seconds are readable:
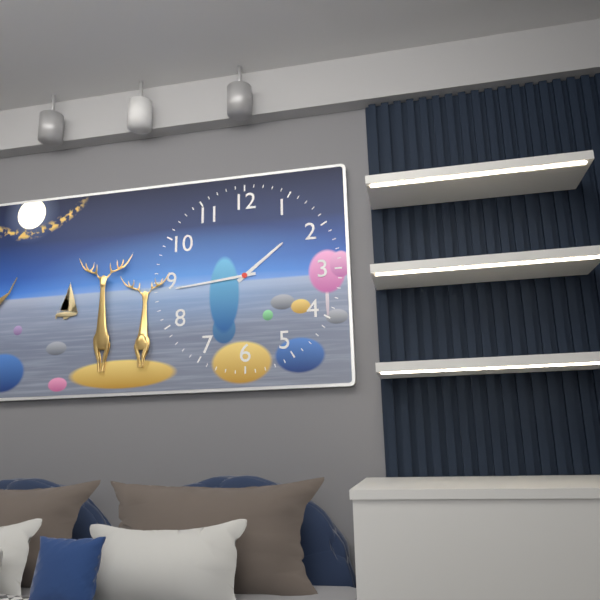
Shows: **1:44**
